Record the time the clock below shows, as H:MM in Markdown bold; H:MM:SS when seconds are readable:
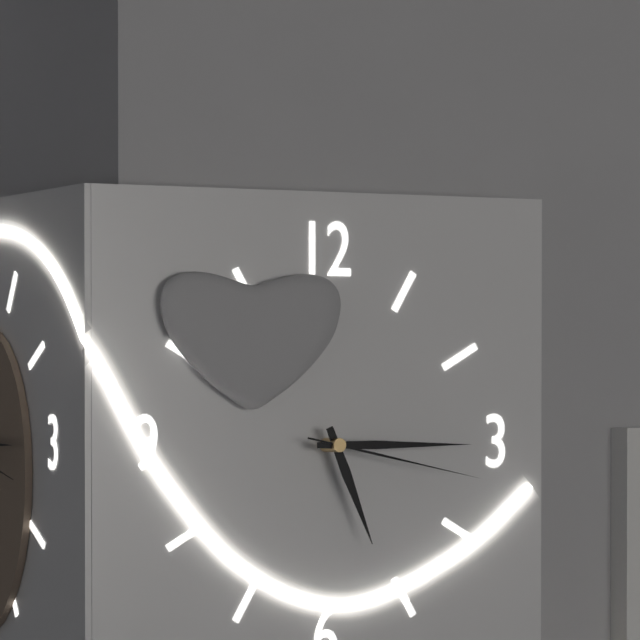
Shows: **5:15:17**
